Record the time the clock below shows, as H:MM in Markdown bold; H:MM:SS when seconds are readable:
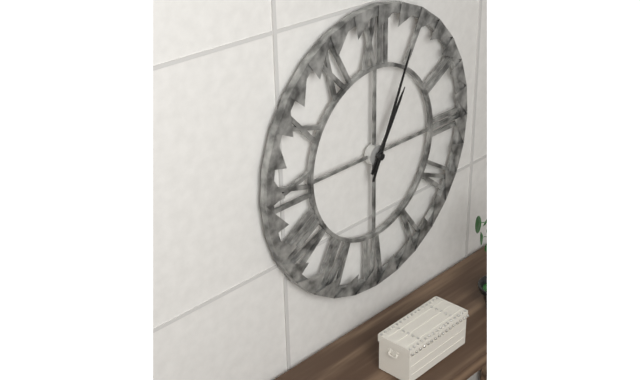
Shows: **1:04**
